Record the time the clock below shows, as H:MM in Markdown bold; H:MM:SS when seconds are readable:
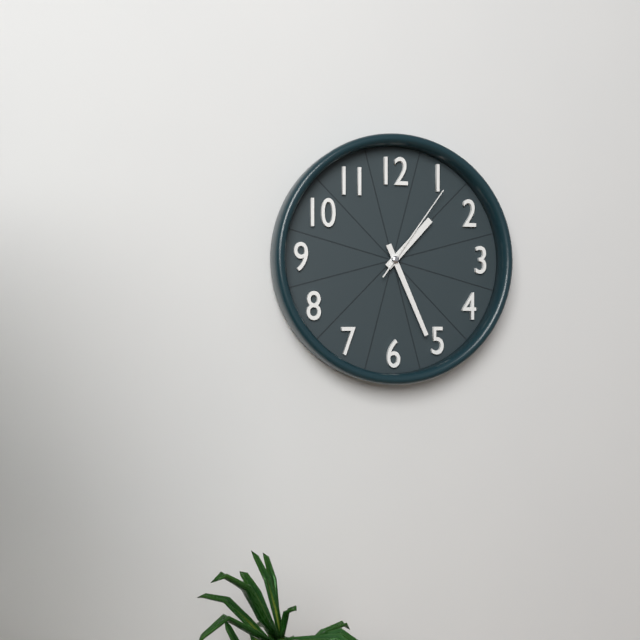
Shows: **1:26:06**
